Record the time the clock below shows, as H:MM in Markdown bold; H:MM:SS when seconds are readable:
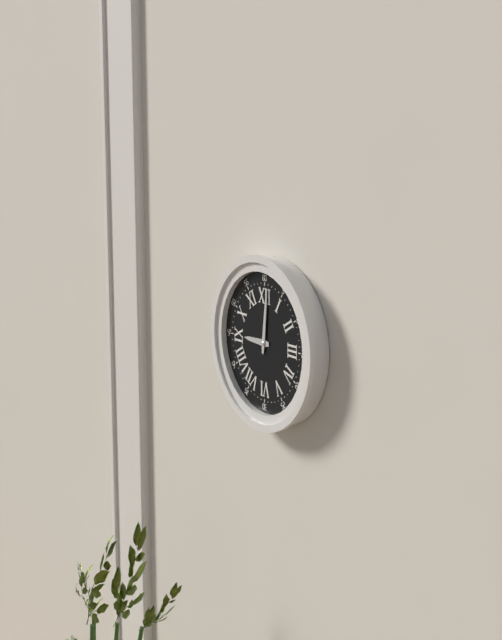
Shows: **9:01**
